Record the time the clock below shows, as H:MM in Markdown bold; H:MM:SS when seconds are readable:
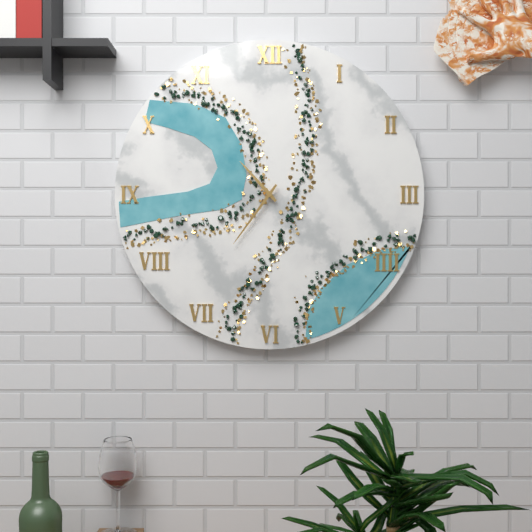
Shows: **10:36**
